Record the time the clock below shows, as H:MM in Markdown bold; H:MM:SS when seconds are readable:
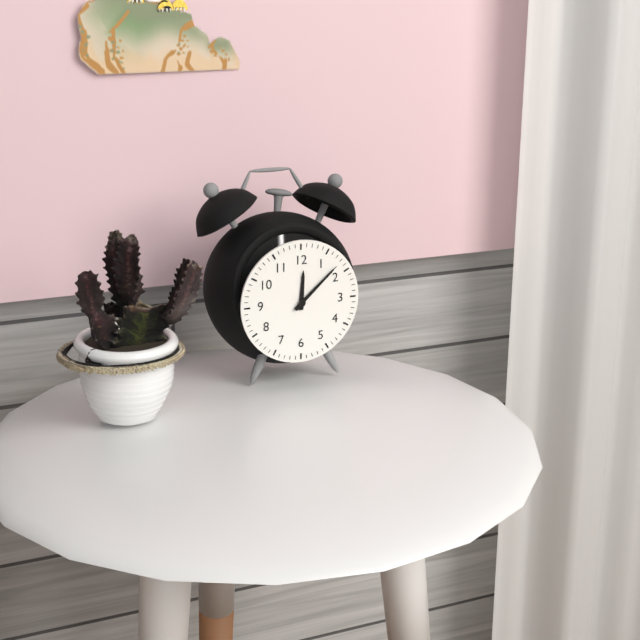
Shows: **12:08**
